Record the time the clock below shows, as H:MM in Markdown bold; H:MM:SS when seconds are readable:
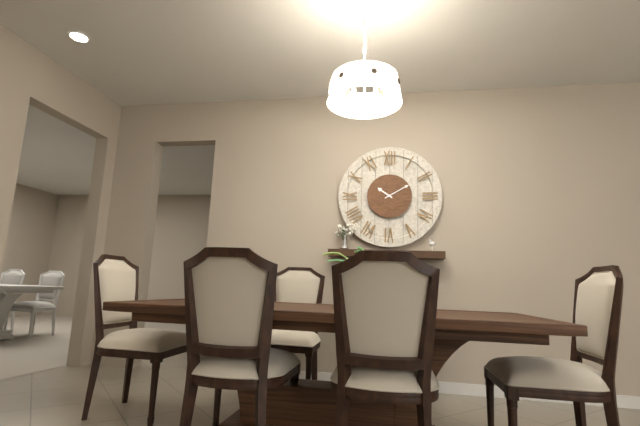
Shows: **10:10**
